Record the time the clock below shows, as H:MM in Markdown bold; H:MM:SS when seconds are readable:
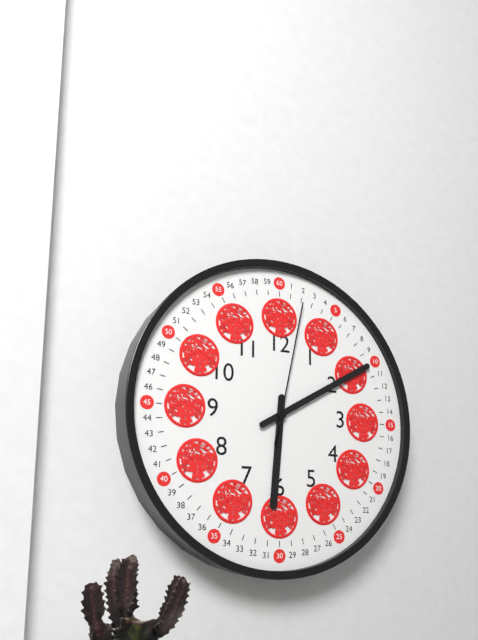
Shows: **6:10:02**
